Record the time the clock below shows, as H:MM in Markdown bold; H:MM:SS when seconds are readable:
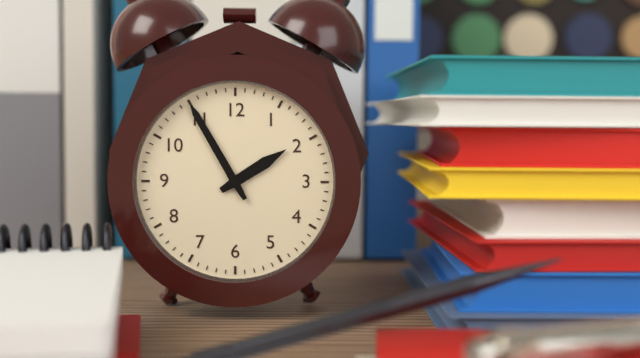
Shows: **1:55**
